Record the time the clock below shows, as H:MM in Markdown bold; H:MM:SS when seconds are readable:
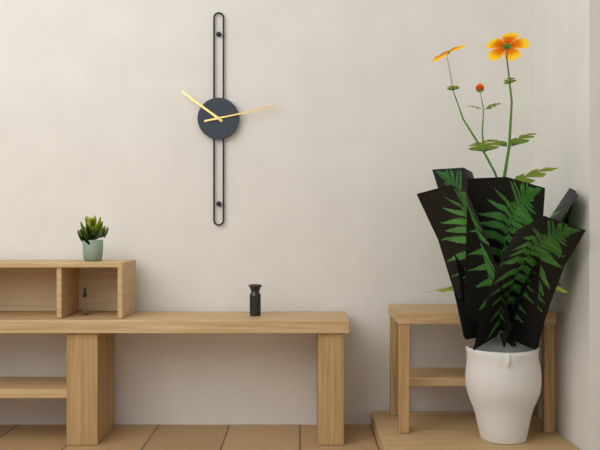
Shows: **10:13**
